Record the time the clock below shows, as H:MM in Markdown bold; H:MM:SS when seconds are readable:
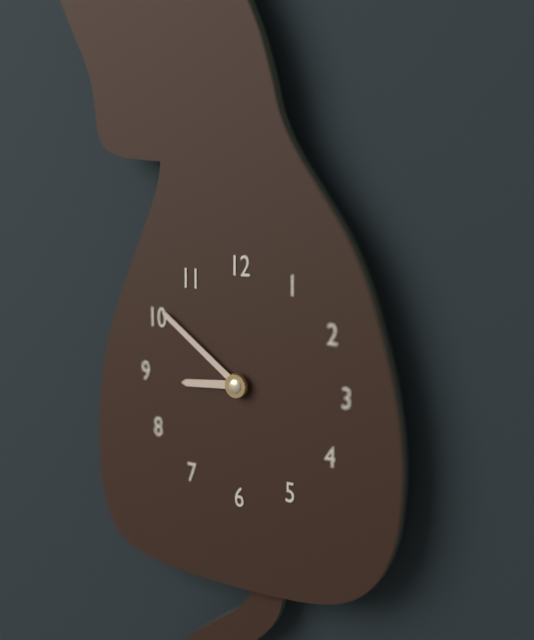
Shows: **8:51**
